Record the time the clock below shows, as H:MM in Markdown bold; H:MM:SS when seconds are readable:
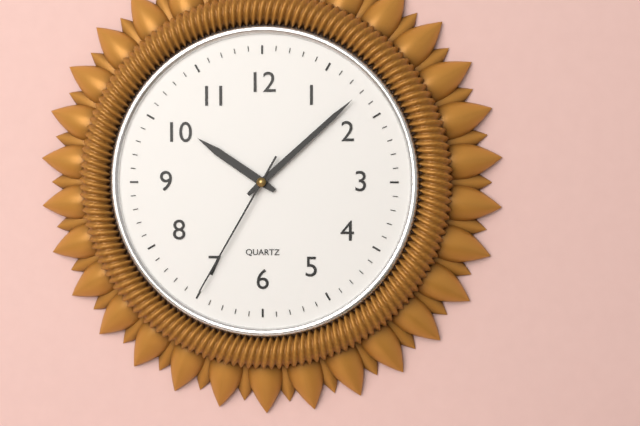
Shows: **10:08:35**
